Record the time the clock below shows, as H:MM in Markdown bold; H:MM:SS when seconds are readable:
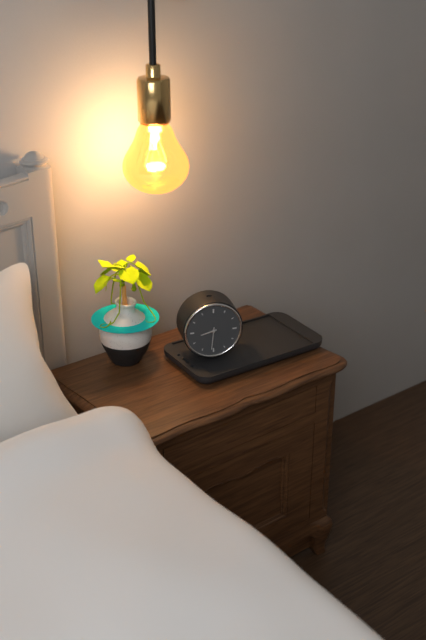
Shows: **8:31**
